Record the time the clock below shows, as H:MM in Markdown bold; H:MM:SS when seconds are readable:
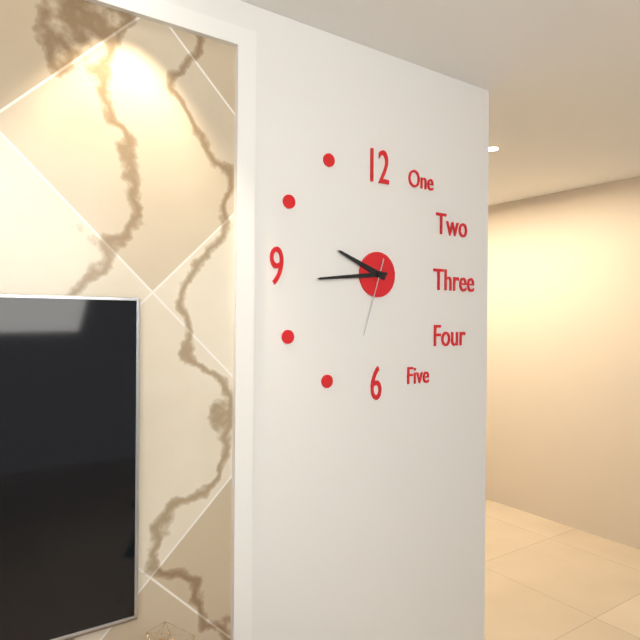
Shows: **9:44:33**
